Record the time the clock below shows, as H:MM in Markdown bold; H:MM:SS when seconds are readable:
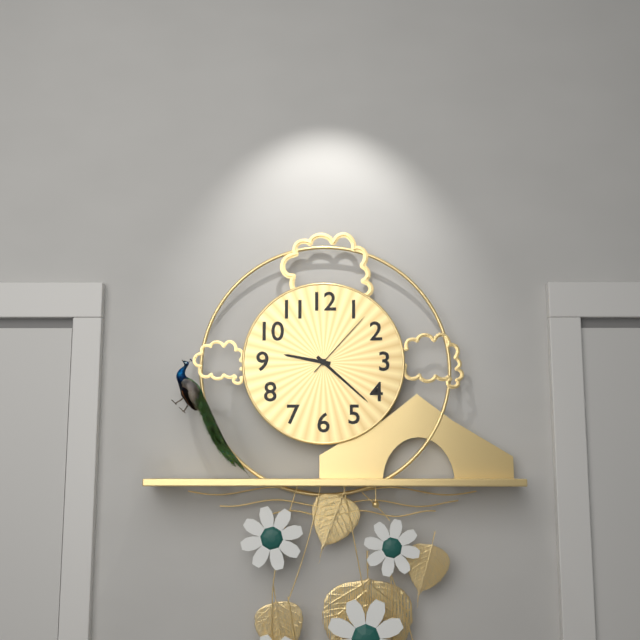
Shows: **9:22:07**
